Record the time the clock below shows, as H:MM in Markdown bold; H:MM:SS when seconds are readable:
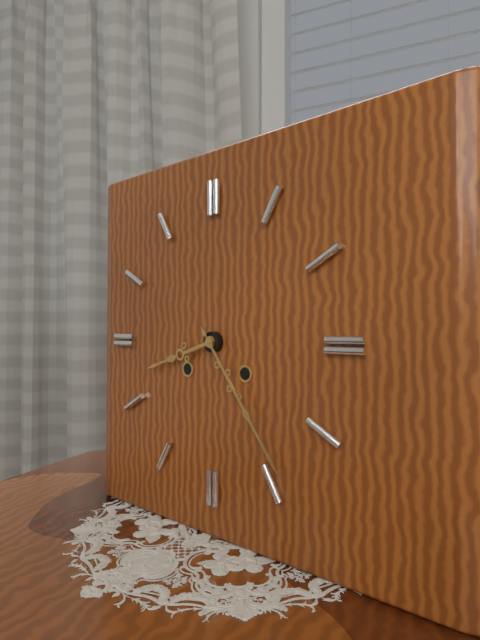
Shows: **8:24**
